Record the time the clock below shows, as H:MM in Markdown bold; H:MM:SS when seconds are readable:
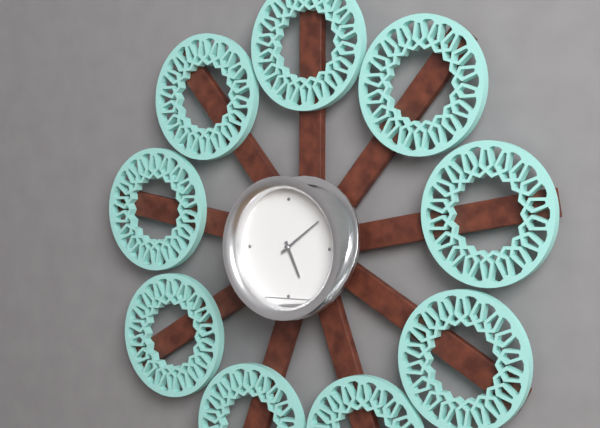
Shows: **5:09**
